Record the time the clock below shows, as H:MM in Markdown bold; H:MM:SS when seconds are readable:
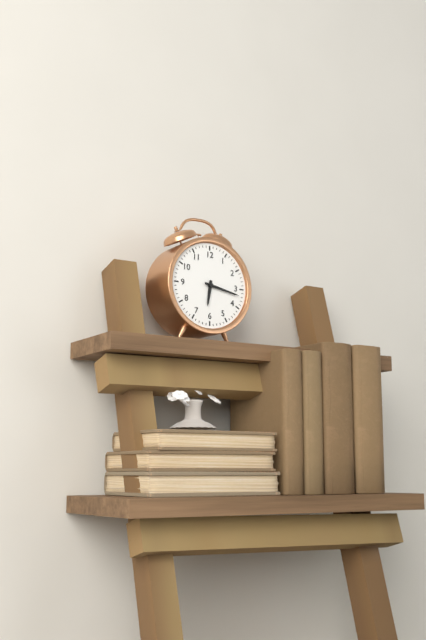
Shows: **6:17**
